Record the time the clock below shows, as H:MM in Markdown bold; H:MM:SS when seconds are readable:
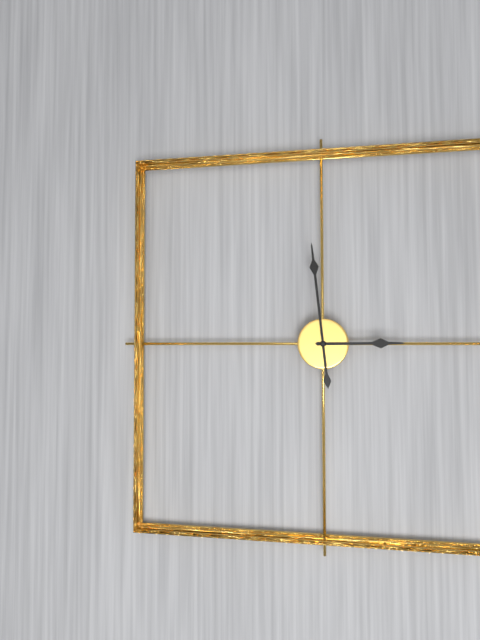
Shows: **2:59**
